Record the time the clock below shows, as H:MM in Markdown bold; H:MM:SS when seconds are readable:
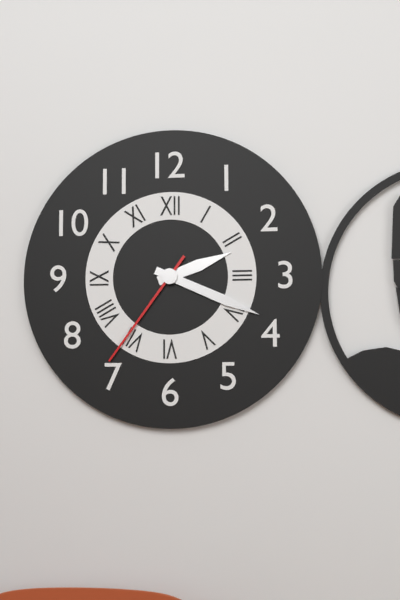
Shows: **2:19:36**
